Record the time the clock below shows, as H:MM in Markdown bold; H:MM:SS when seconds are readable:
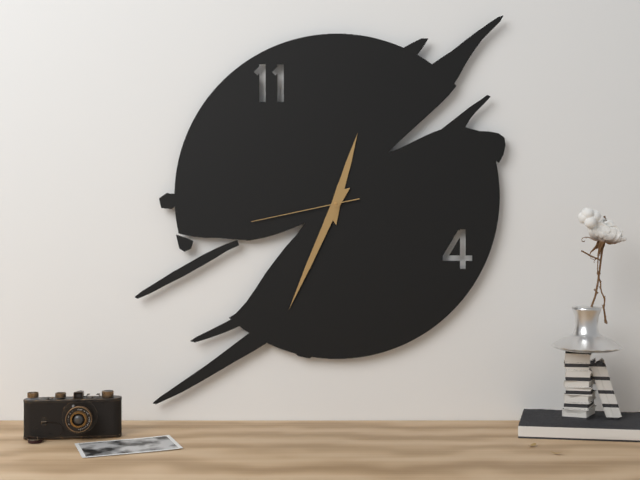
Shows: **12:34:43**
